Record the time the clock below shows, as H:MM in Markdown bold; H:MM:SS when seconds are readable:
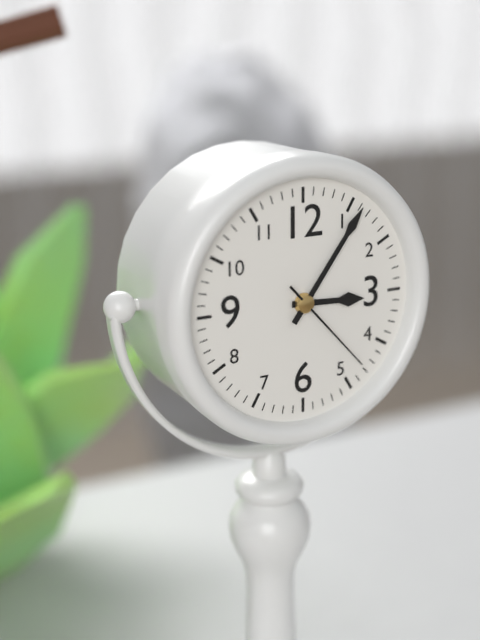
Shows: **3:06:23**
